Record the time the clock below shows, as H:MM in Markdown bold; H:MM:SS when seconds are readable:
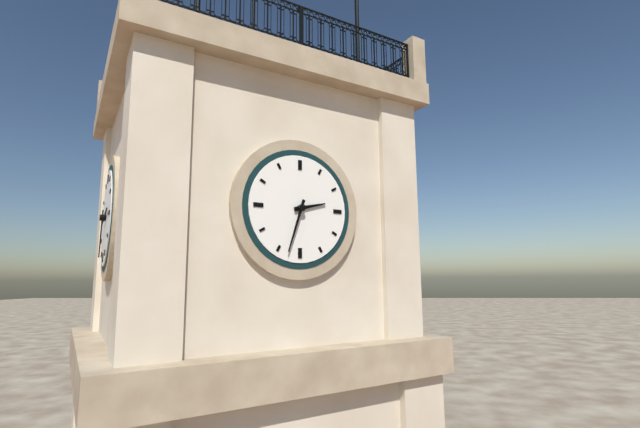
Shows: **2:33**
